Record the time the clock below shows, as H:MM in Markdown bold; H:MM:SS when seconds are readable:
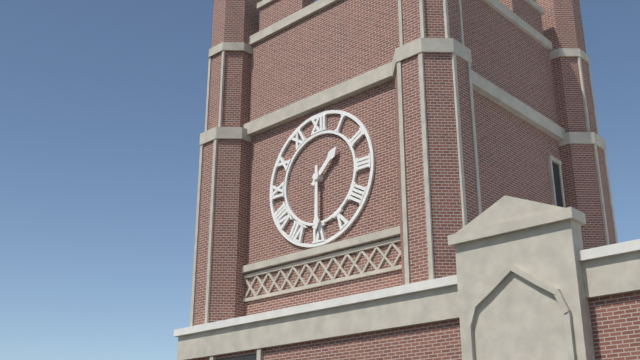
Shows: **1:30**
